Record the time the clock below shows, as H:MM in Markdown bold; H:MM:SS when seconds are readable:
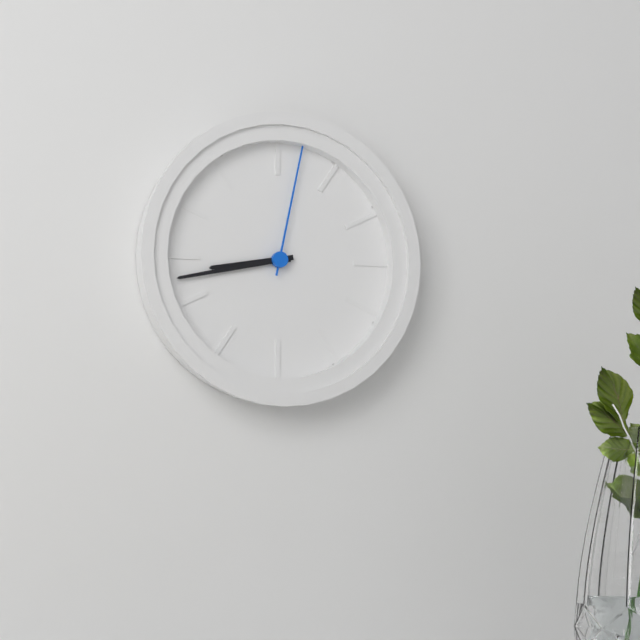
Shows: **8:43:02**
